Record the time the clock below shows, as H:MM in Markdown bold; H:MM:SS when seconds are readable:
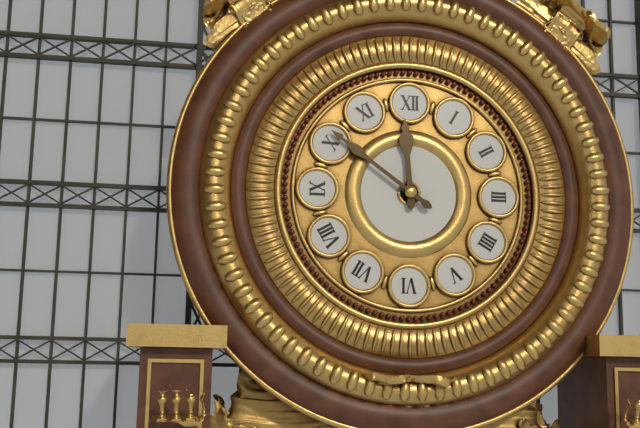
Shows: **11:51**
